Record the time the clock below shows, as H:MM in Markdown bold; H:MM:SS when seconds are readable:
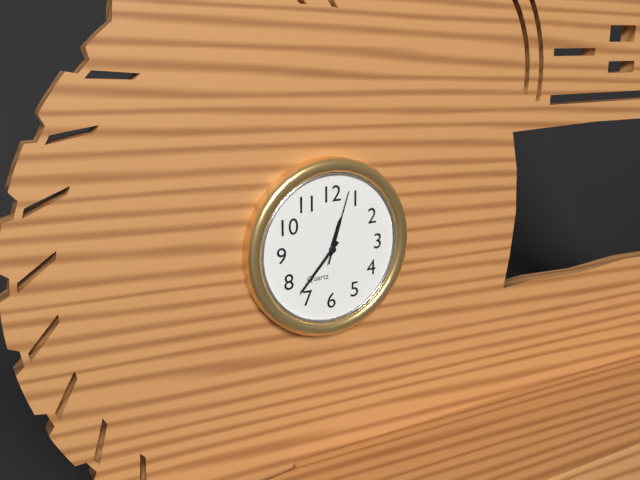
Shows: **12:37:03**
